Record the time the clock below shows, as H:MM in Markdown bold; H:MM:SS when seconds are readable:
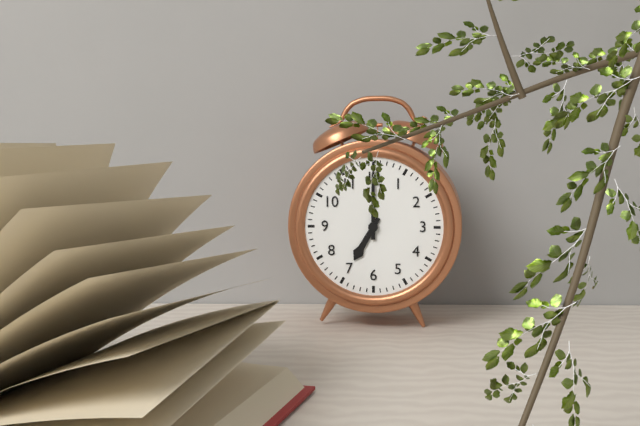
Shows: **7:00**
